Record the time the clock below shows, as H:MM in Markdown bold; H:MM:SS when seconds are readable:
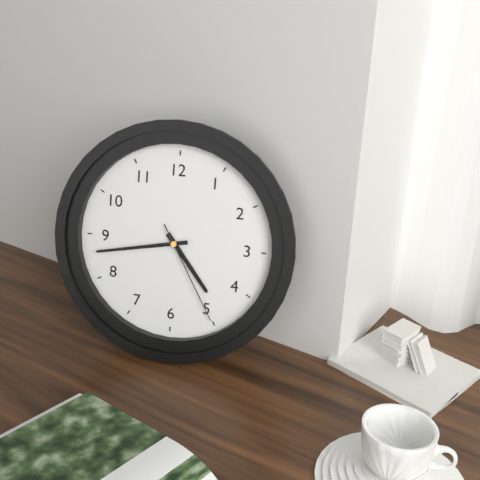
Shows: **4:43:25**
